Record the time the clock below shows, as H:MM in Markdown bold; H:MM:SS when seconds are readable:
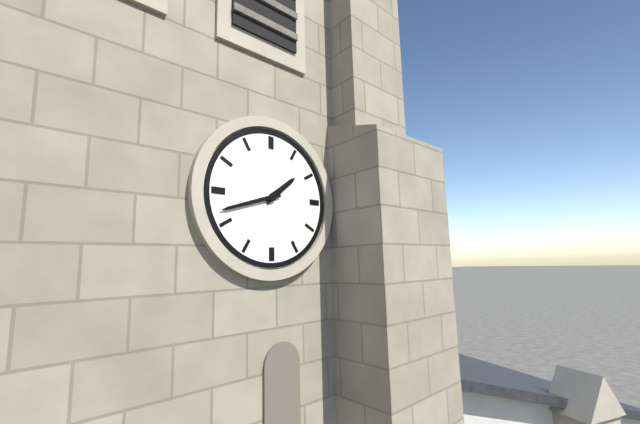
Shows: **1:42**
